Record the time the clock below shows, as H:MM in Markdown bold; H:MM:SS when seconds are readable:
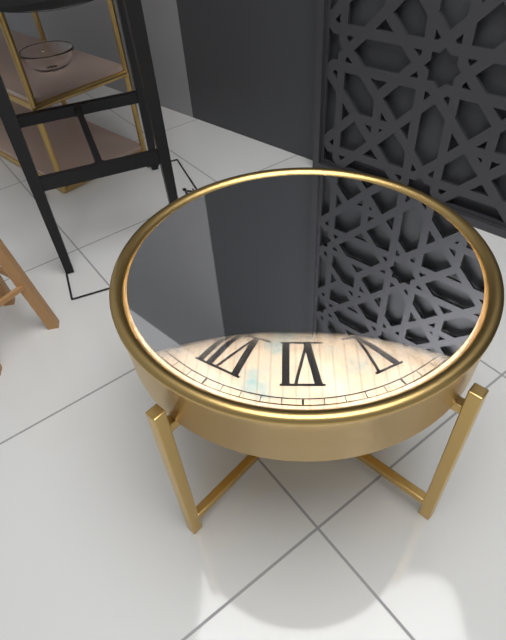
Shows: **9:09**
